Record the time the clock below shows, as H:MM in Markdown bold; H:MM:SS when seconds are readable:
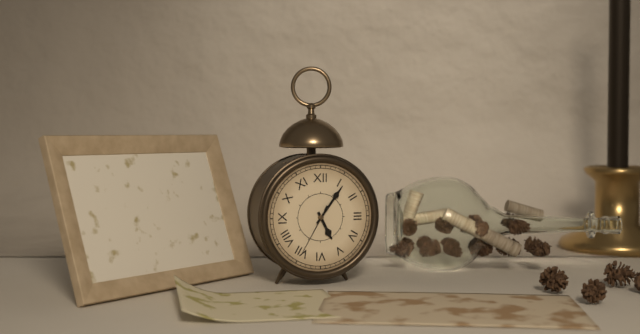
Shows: **5:06:35**
